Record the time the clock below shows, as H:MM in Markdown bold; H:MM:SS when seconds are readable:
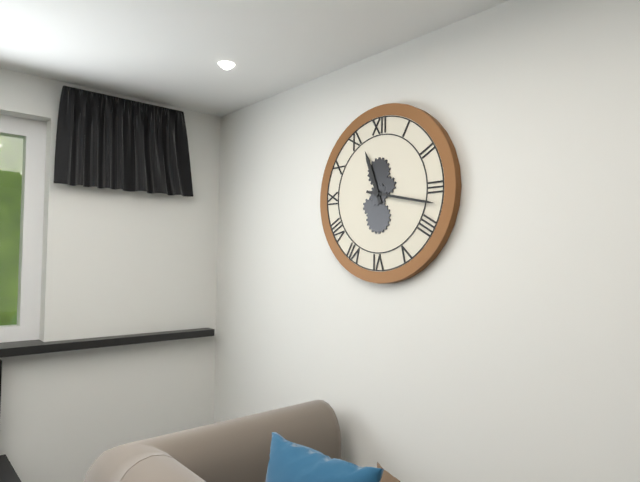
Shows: **11:17**
